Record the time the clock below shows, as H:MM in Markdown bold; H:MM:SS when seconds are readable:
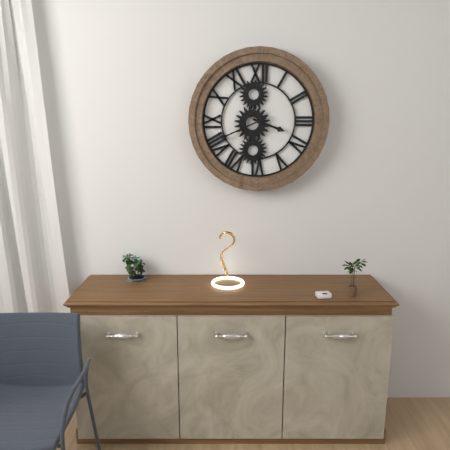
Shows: **3:41**
